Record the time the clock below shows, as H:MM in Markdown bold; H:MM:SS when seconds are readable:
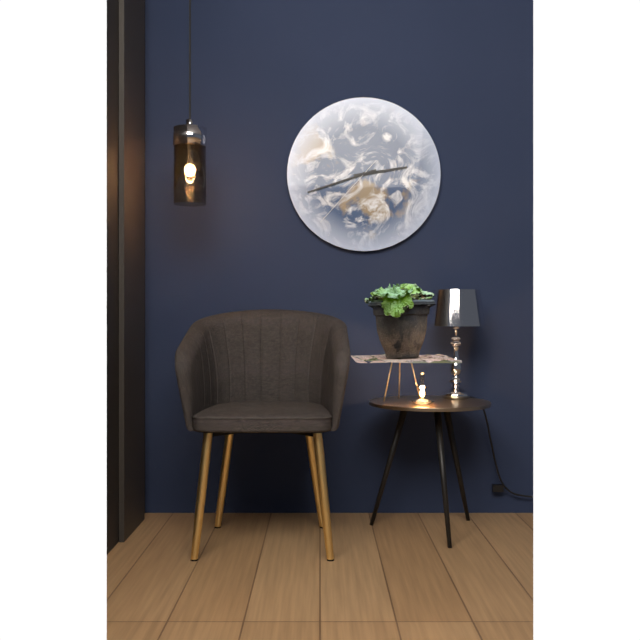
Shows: **2:42:37**
